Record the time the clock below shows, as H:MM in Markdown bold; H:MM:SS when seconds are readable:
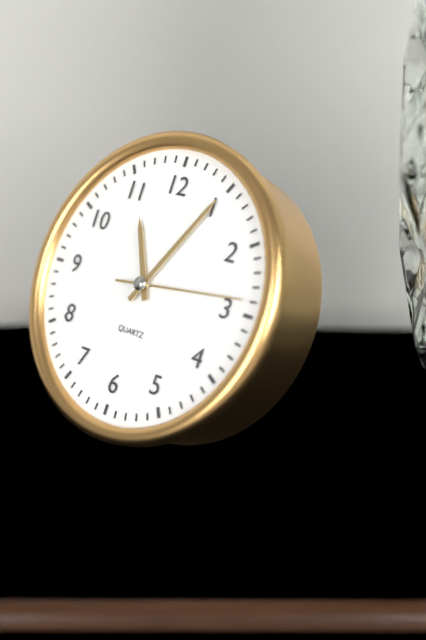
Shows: **11:05:14**
